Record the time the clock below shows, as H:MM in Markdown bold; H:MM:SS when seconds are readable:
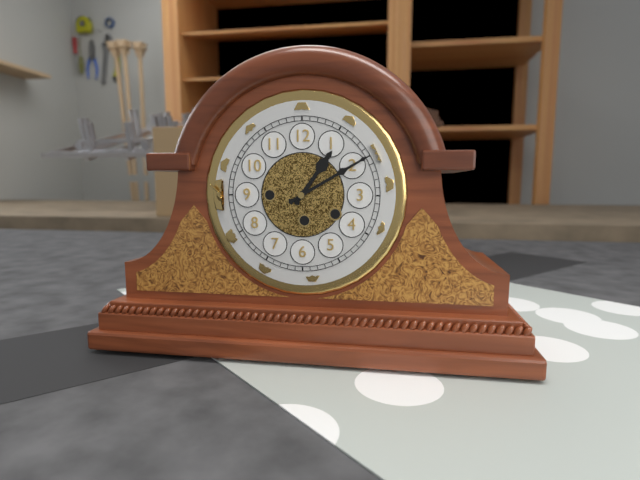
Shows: **1:10**
